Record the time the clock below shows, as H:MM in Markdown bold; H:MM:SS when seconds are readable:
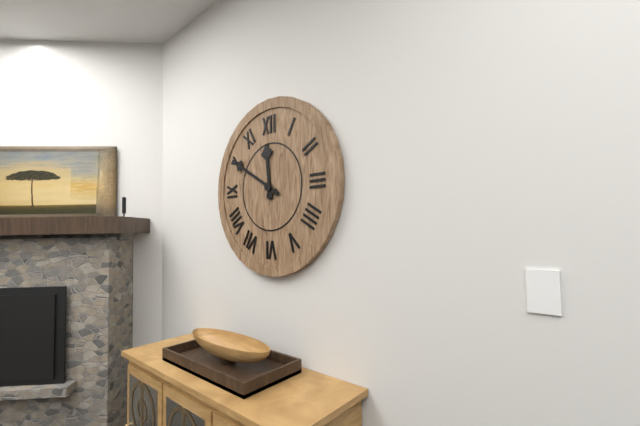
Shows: **11:50**
